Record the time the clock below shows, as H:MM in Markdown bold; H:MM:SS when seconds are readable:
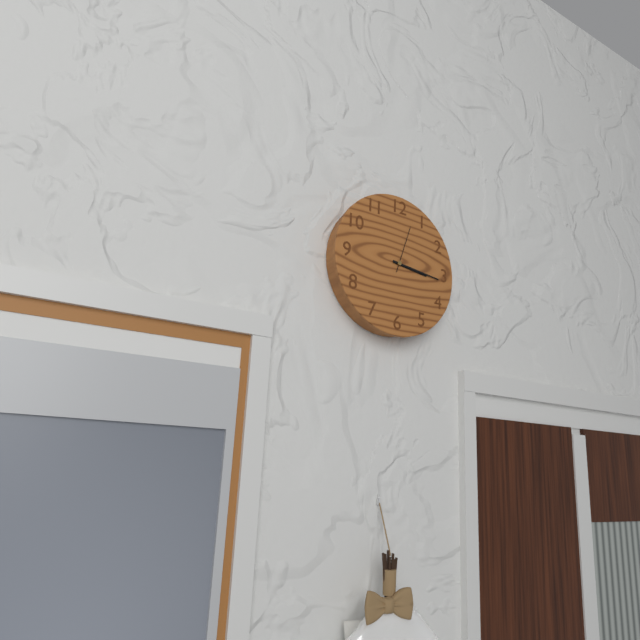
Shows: **3:16**
